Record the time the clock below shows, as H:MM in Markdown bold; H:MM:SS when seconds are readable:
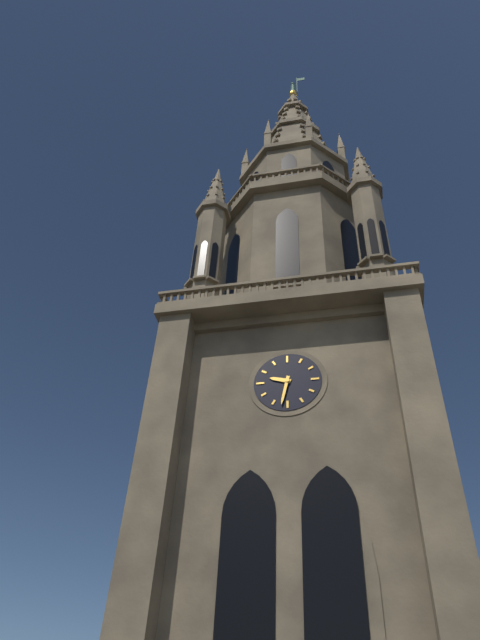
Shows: **9:32**
